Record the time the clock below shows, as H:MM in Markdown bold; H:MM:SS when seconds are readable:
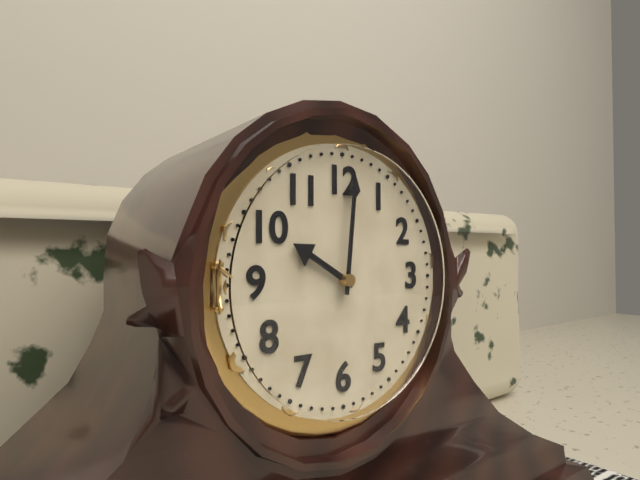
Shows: **10:01**
